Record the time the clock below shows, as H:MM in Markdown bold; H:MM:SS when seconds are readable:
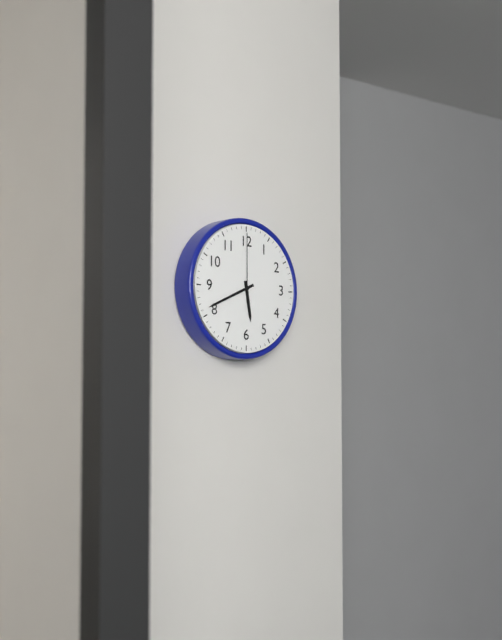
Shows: **5:41:00**
